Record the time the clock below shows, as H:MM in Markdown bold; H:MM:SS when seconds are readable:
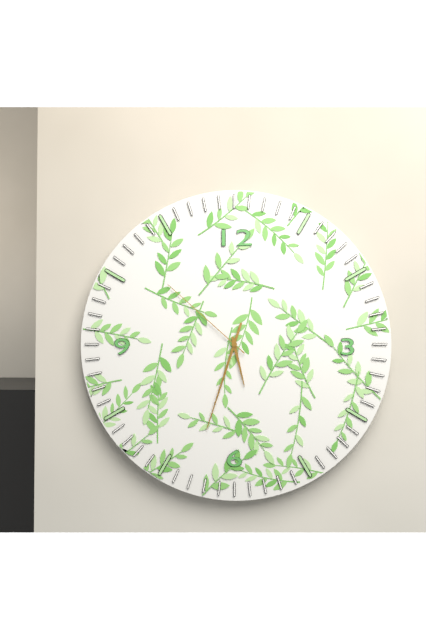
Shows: **5:33:52**
